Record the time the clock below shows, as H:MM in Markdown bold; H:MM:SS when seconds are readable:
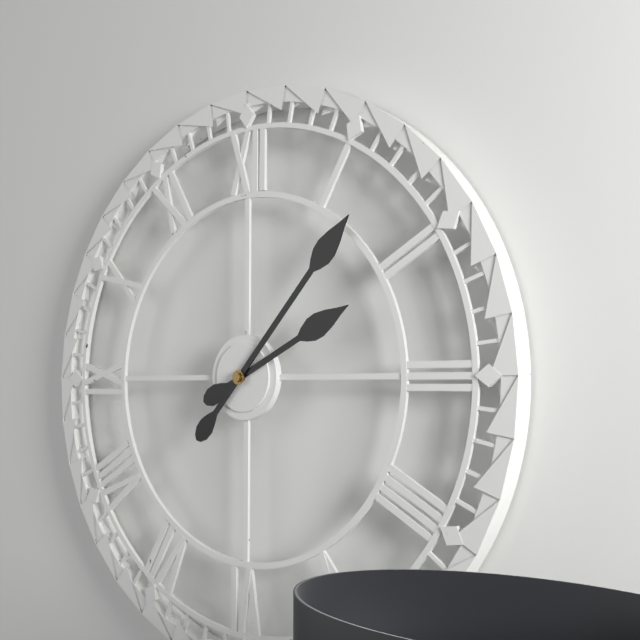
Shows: **2:07**
